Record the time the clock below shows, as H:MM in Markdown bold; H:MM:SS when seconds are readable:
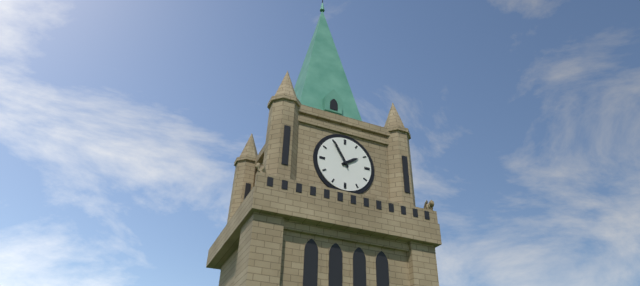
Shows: **1:55**
